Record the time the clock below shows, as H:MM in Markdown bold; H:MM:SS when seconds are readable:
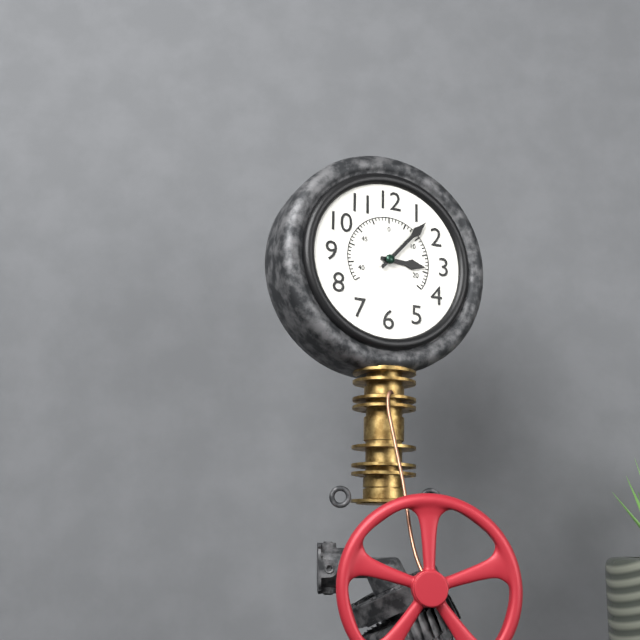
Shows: **3:07**
